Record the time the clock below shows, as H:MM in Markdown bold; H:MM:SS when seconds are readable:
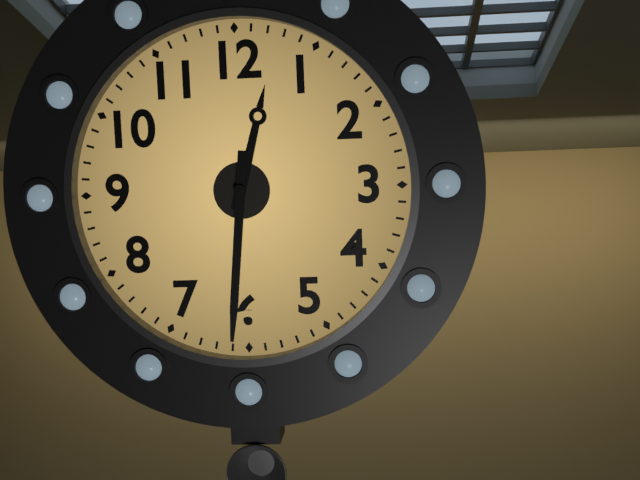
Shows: **12:31**
